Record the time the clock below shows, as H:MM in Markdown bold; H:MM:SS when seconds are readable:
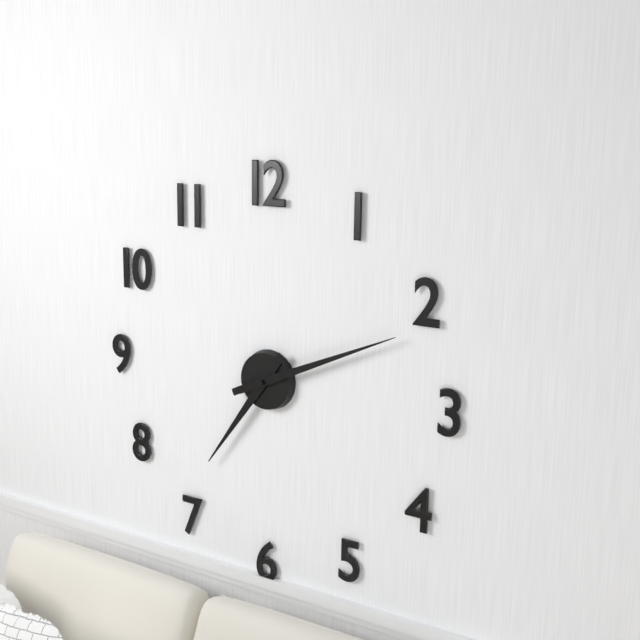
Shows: **7:11**
